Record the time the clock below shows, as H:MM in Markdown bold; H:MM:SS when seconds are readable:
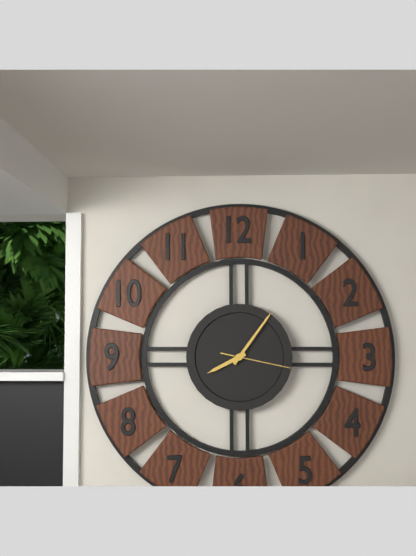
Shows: **8:06:17**
